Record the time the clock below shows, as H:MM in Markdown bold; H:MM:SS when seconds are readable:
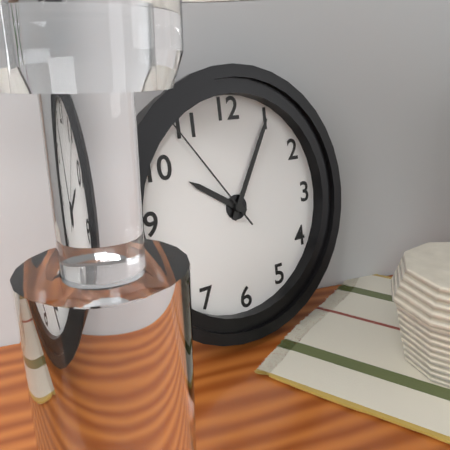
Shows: **10:05:54**
